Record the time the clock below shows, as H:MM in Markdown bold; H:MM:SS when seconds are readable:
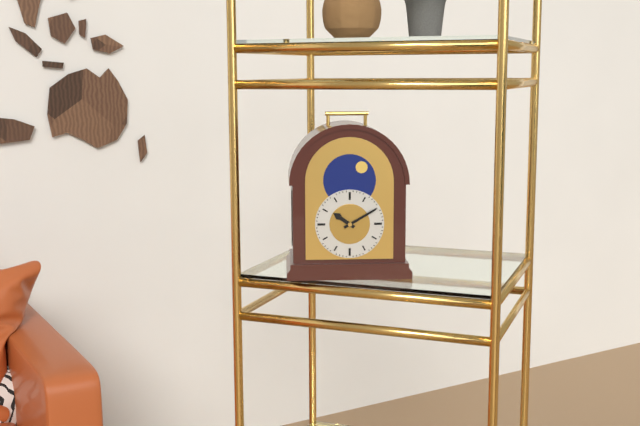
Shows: **10:10**
